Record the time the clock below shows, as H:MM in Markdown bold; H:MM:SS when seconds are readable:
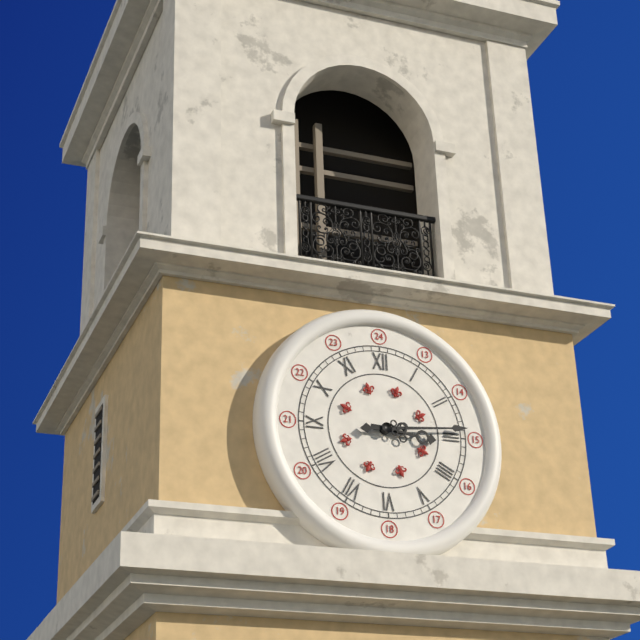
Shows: **3:14**
